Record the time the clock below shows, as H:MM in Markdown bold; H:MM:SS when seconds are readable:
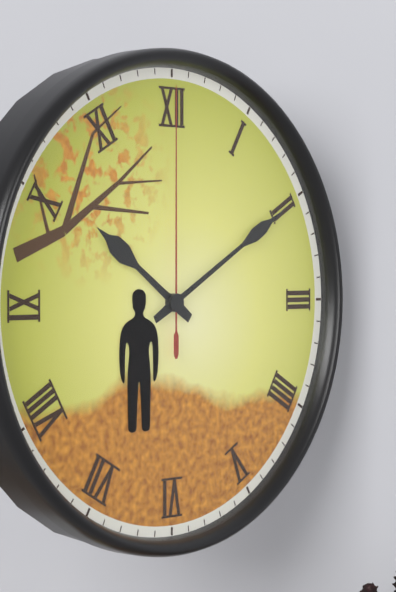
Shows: **10:10:00**
